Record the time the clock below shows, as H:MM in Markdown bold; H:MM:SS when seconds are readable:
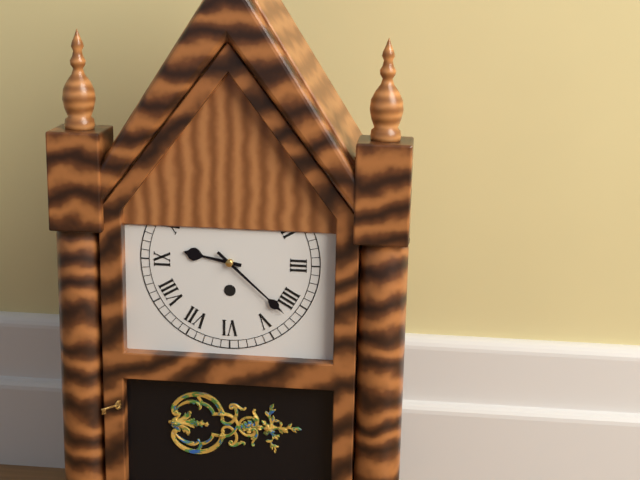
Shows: **9:22**
